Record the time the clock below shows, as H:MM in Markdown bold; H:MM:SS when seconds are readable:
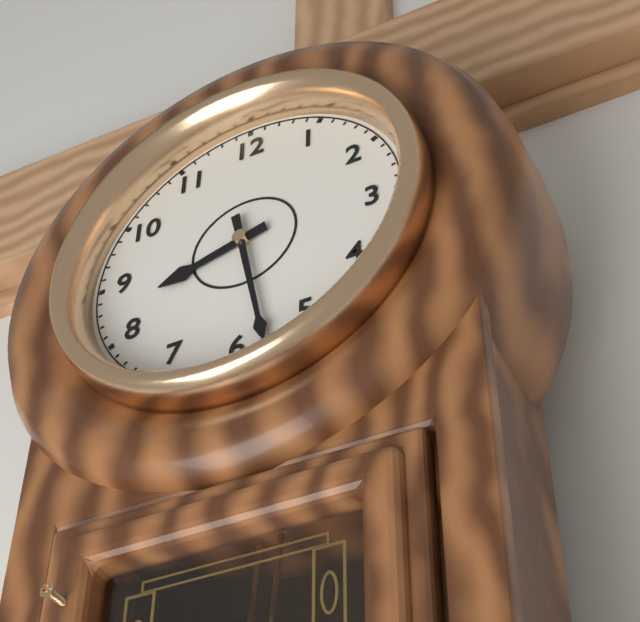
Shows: **8:28**
